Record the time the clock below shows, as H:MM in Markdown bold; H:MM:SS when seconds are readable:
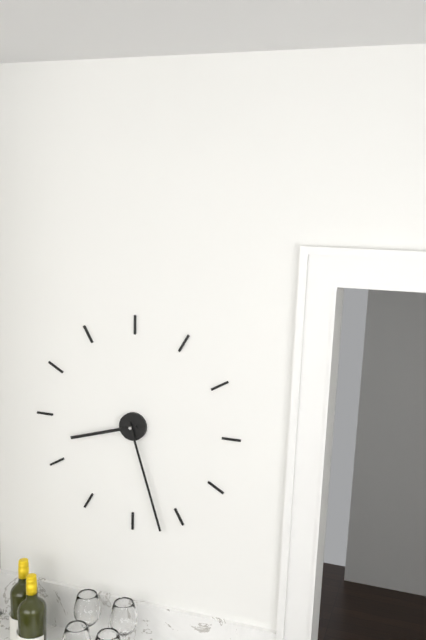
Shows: **8:27**
